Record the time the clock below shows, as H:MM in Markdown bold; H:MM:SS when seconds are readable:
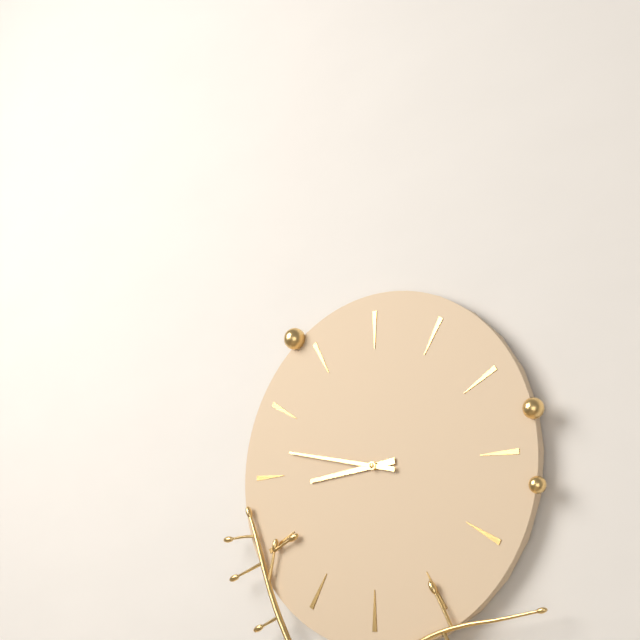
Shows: **8:47**
